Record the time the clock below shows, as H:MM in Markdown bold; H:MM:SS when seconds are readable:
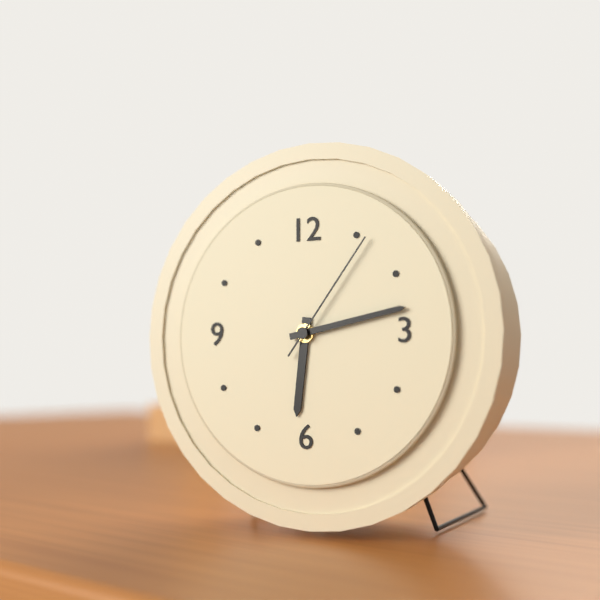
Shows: **6:13:06**
